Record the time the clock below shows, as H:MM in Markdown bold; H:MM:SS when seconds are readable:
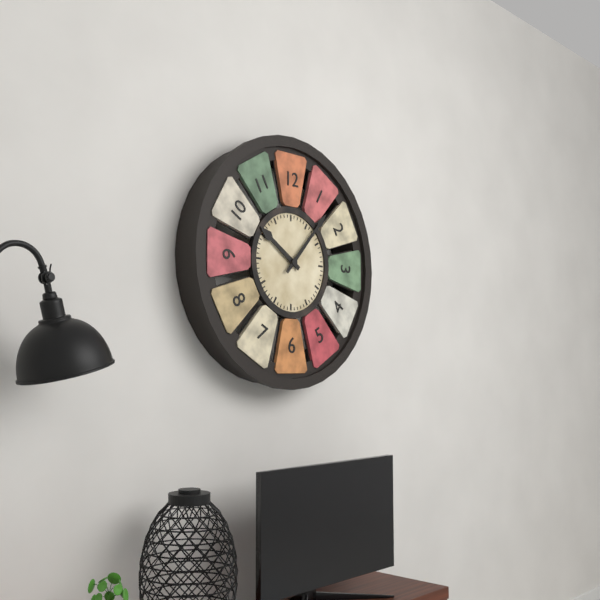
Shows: **10:07**
